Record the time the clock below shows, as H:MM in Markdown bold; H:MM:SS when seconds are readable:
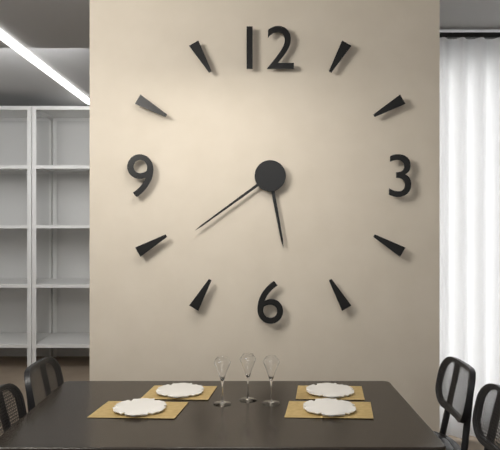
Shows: **5:39**
